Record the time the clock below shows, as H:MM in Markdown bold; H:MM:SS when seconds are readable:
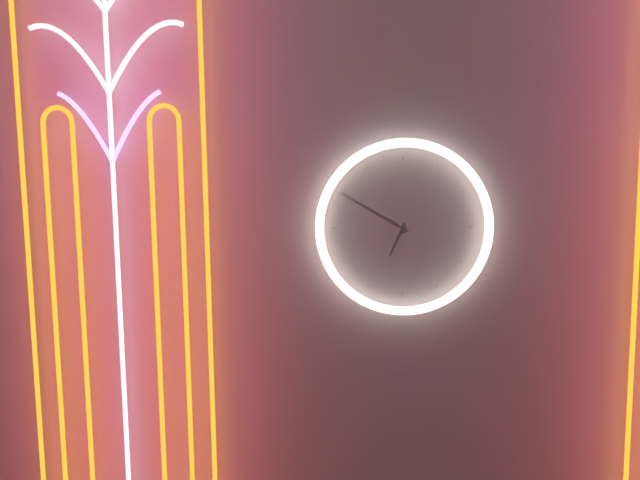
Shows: **6:50**
